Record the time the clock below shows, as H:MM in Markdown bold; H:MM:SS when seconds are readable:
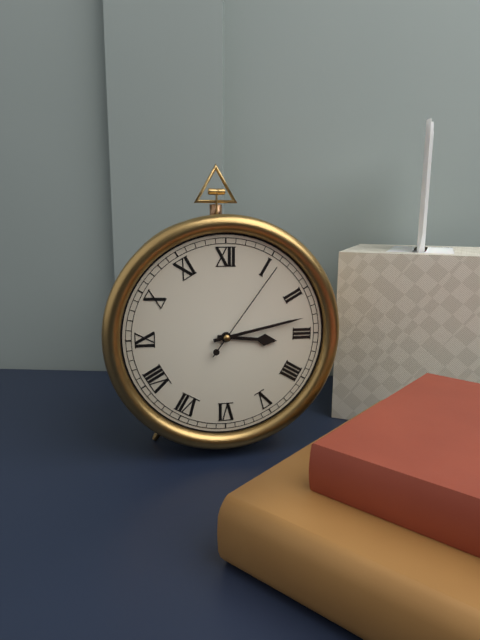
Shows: **3:13:06**
